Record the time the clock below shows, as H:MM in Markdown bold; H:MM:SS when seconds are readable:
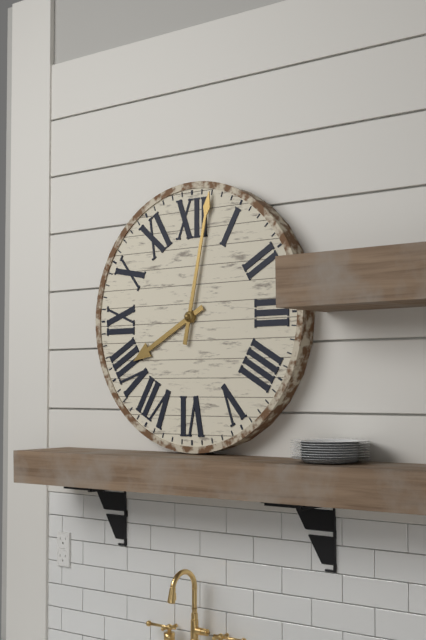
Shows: **8:02**
